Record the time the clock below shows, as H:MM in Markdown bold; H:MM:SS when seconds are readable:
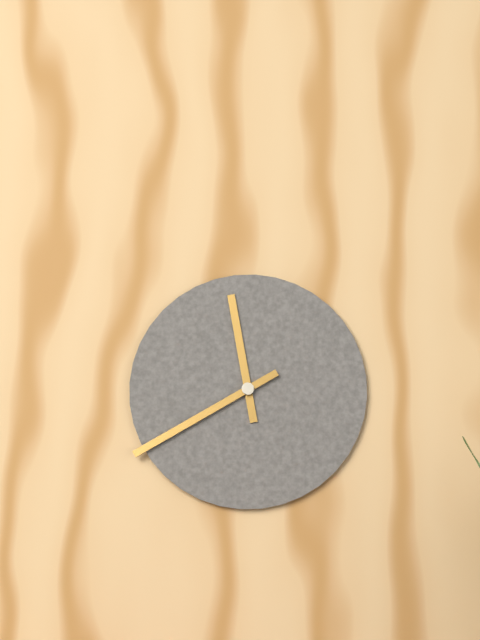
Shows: **11:40**
